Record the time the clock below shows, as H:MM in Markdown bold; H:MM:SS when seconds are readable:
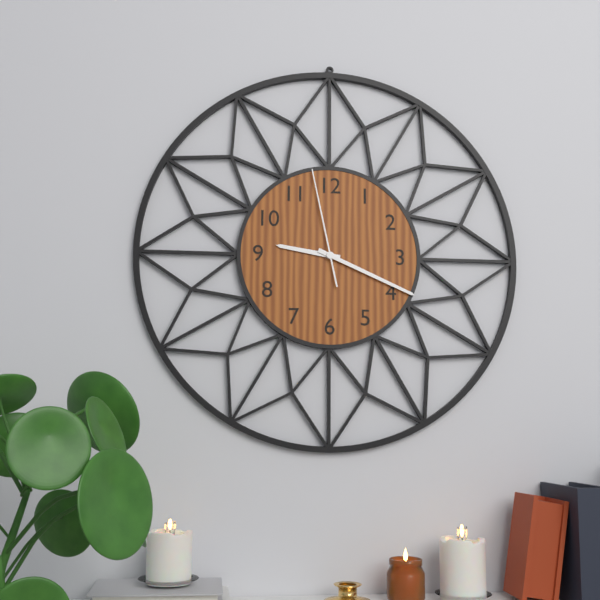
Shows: **9:19:58**
